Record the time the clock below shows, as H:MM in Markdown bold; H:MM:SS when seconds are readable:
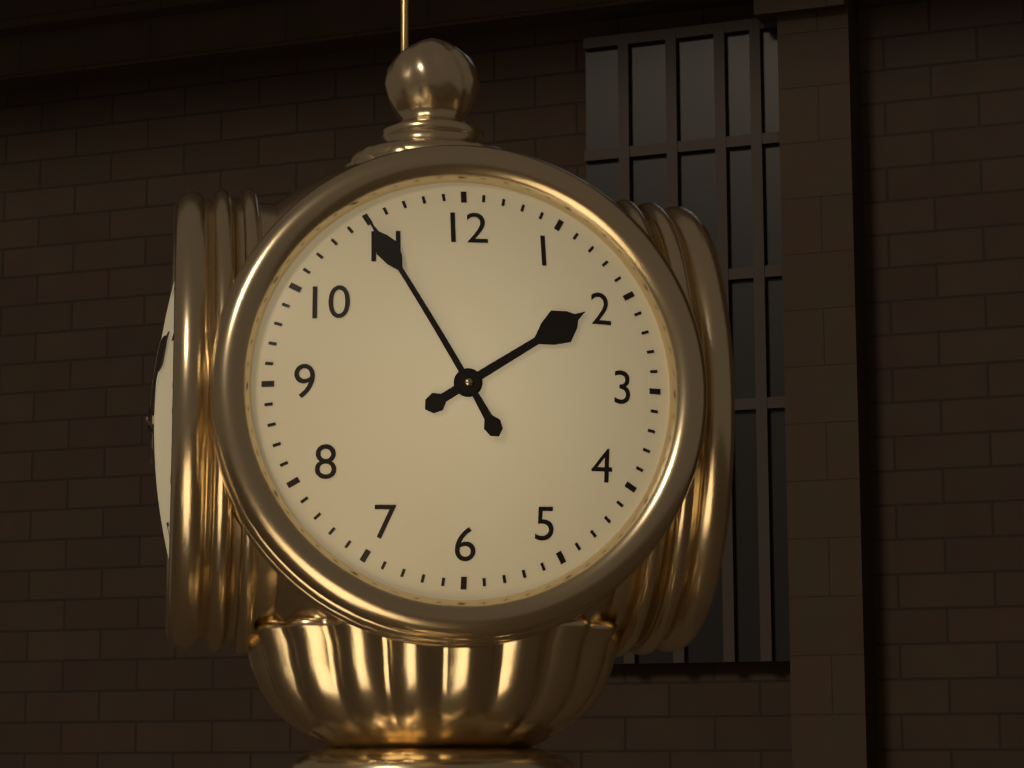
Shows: **1:55**
